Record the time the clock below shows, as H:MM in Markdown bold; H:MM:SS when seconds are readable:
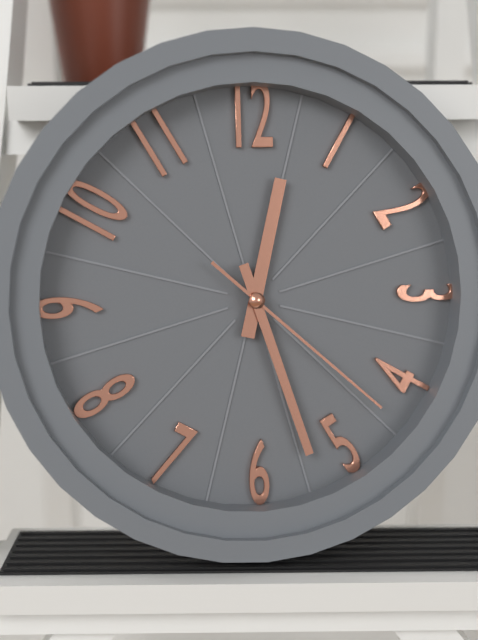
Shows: **12:27:22**
